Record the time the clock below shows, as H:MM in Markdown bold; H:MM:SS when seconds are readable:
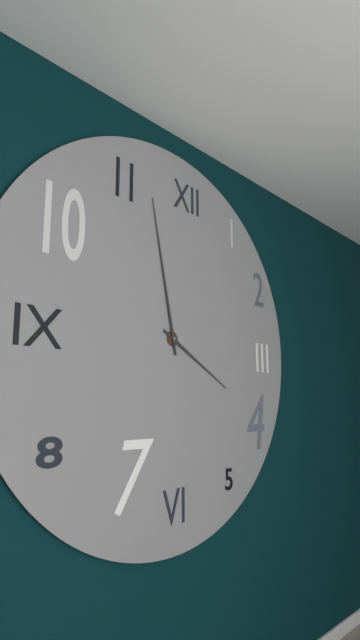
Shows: **3:58**
